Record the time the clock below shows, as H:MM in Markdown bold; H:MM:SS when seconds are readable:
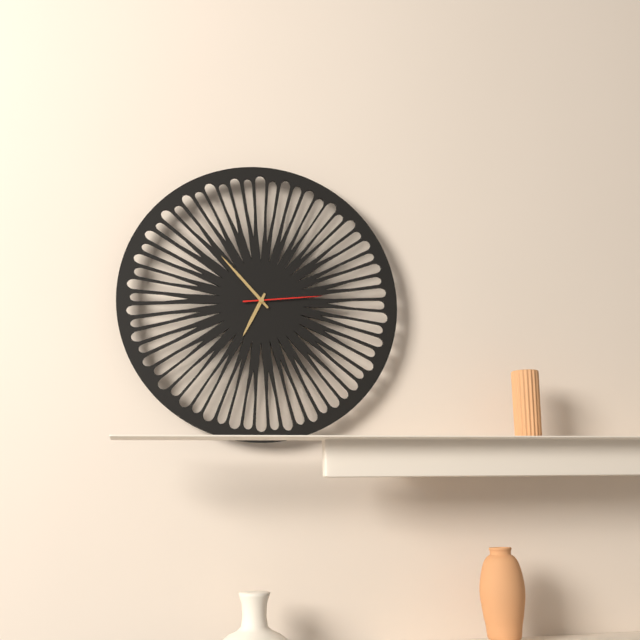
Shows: **6:53:14**
